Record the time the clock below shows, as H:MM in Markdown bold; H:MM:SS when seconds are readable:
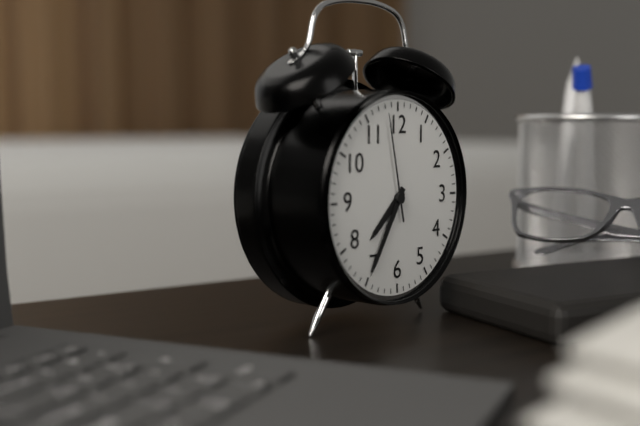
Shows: **7:35:58**
